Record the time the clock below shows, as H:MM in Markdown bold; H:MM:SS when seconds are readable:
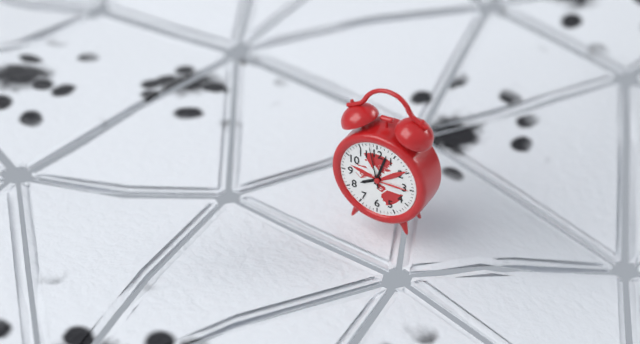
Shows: **8:03**
